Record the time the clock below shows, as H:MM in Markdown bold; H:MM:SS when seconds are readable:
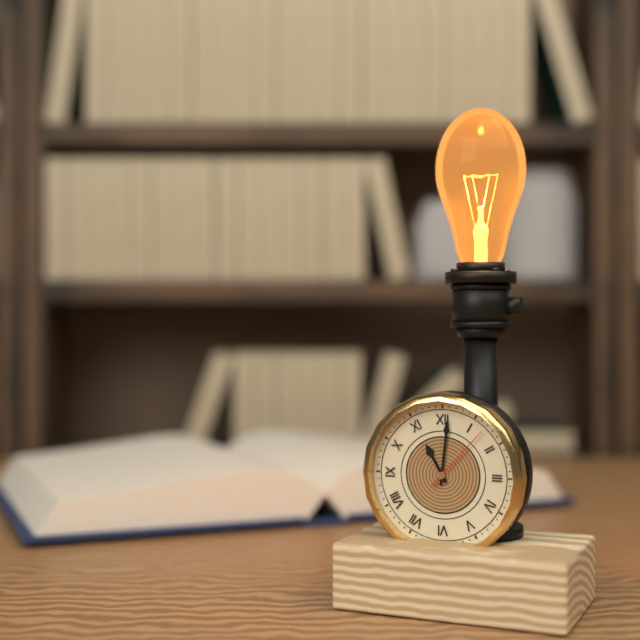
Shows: **11:01:07**
